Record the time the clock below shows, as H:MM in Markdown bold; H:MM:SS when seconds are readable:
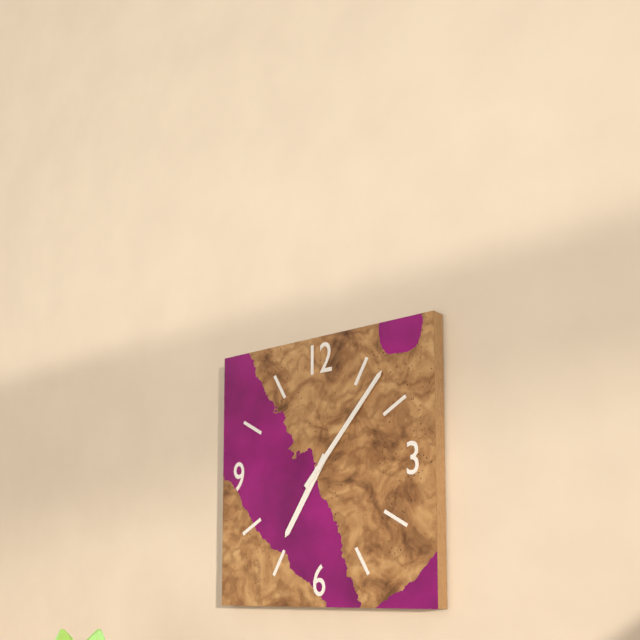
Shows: **7:07**
